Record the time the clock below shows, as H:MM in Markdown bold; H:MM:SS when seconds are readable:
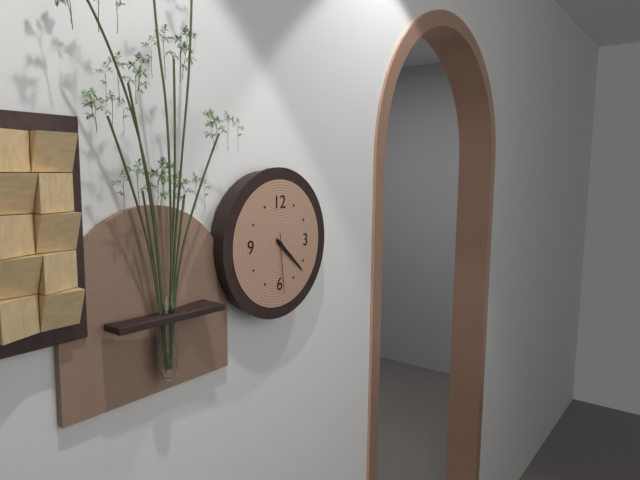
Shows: **4:22:29**
